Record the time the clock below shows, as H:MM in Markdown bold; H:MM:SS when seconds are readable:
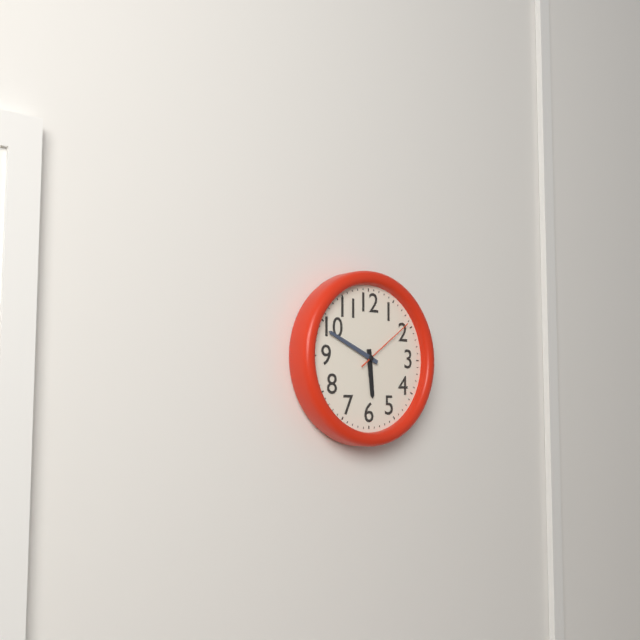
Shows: **5:49:09**
